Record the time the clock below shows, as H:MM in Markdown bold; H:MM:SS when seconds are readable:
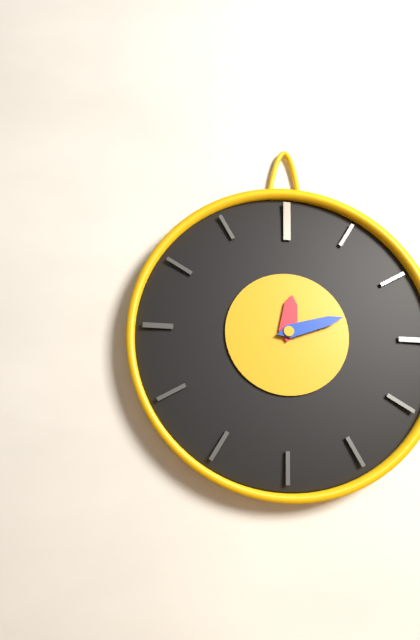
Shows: **12:12**
